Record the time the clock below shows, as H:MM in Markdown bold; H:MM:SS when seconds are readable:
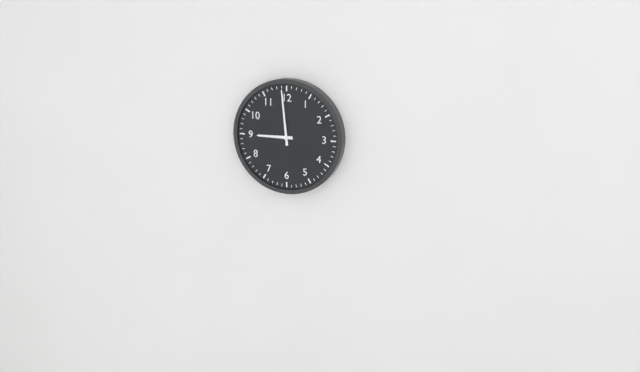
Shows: **8:59**
